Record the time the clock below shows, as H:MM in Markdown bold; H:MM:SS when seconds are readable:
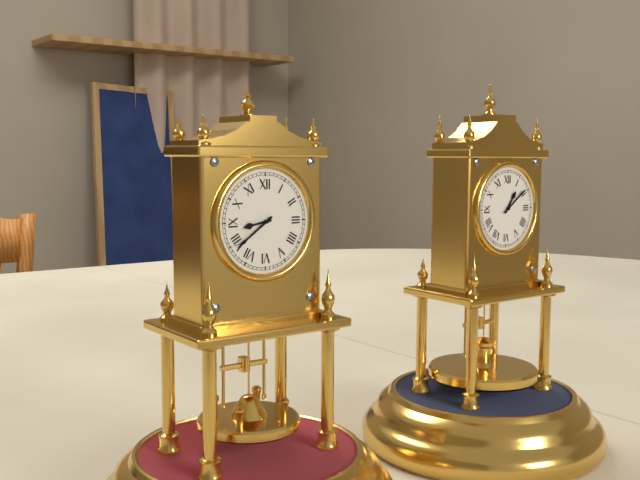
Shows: **8:39**
